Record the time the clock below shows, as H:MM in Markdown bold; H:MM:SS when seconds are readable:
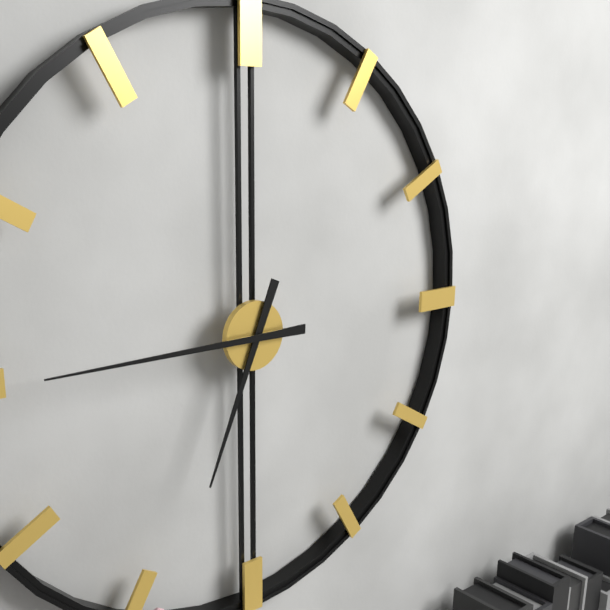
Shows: **6:45**
